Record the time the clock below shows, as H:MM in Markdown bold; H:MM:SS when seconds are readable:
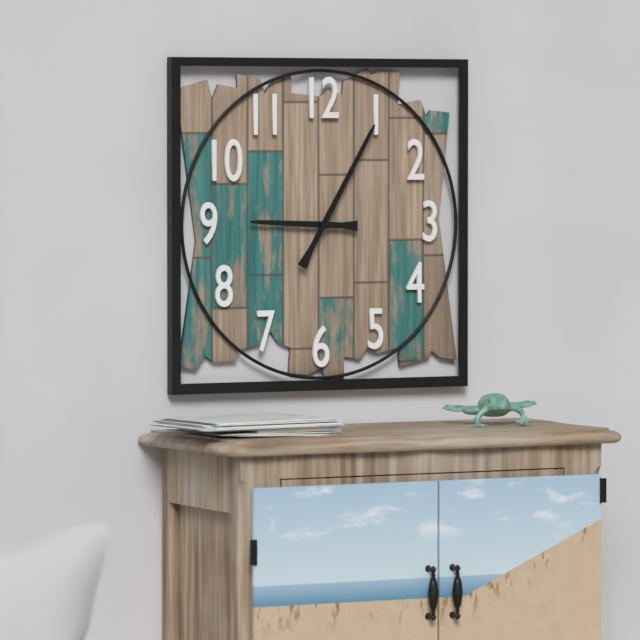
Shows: **9:05**
